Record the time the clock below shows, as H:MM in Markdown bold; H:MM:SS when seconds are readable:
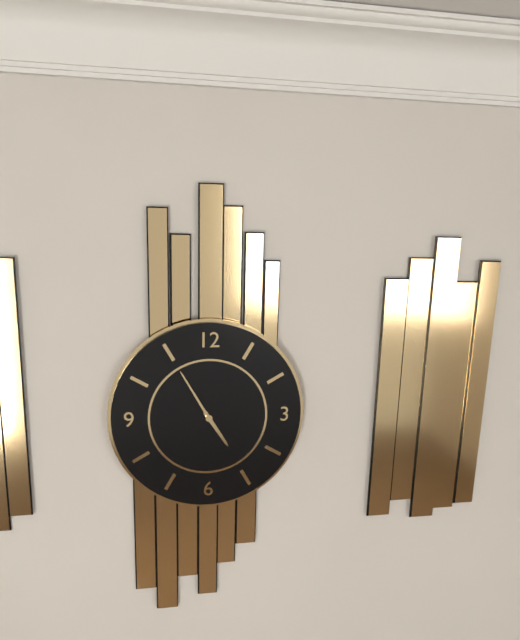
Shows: **4:55**
